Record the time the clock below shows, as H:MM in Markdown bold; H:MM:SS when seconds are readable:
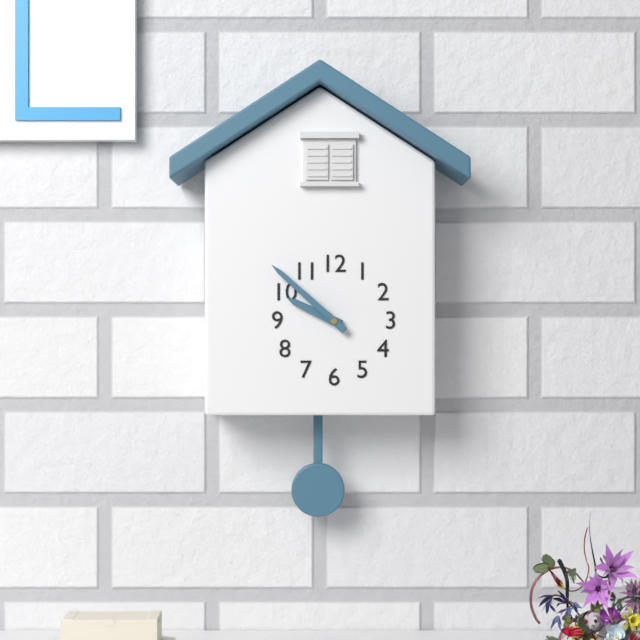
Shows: **9:52**
